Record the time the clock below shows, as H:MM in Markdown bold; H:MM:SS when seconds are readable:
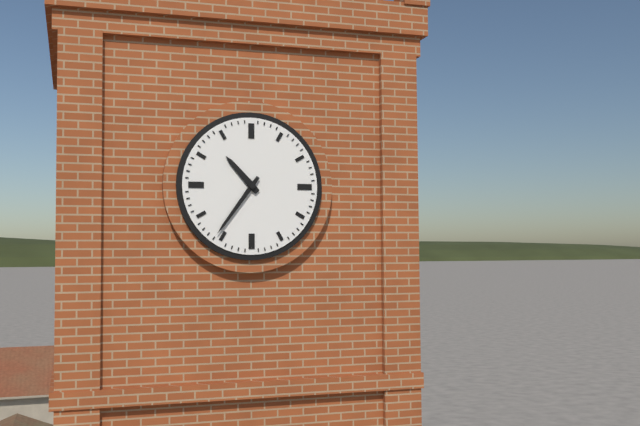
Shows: **10:36**
